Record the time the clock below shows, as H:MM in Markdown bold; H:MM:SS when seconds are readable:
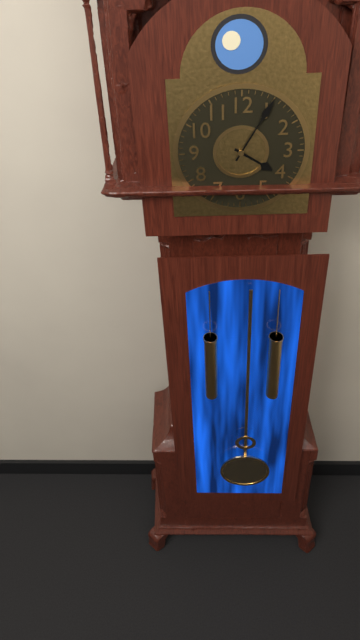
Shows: **4:05**
